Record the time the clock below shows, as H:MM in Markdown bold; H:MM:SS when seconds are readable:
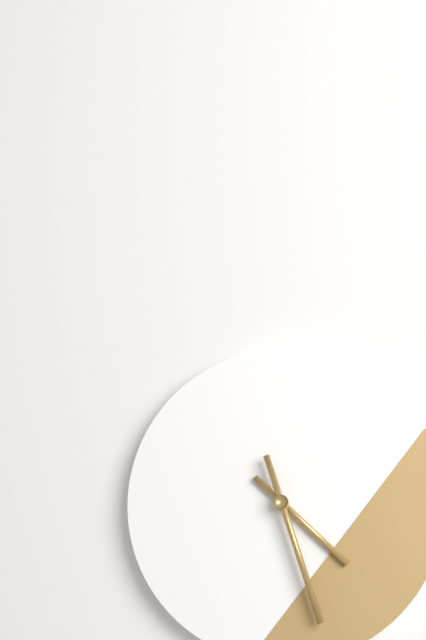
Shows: **4:27**
